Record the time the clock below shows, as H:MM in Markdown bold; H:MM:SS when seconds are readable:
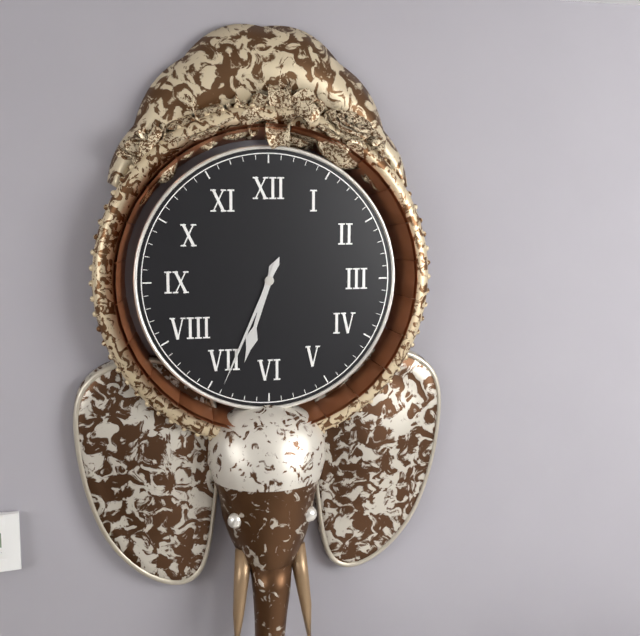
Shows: **6:34**
